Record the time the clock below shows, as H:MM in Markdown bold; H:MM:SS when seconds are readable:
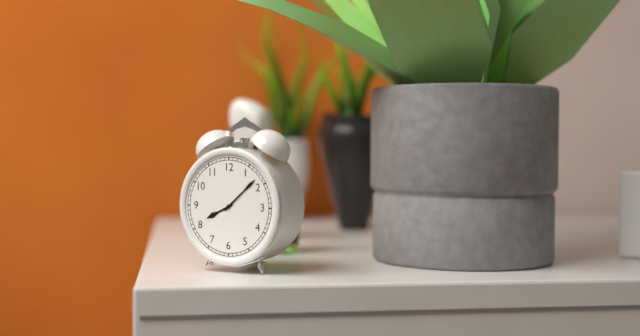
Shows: **8:08**
